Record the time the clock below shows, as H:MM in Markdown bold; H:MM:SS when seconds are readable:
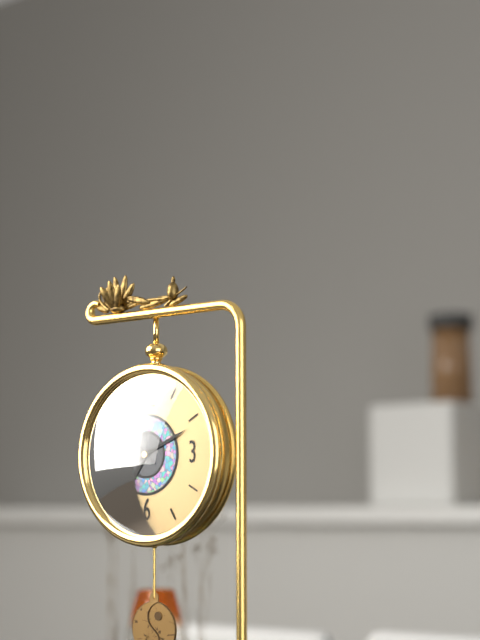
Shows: **7:11:52**
